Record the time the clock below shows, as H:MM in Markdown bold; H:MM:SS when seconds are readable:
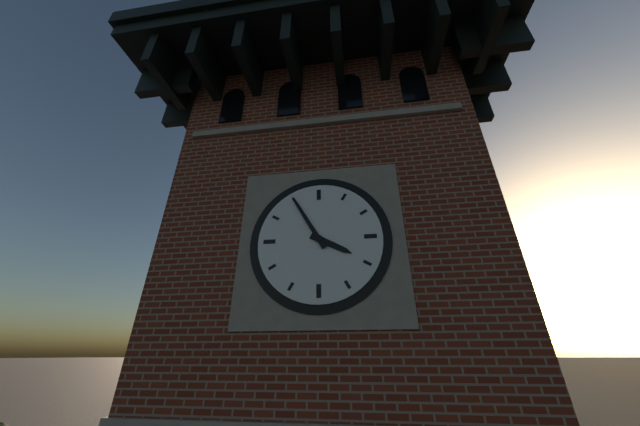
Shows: **3:55**
